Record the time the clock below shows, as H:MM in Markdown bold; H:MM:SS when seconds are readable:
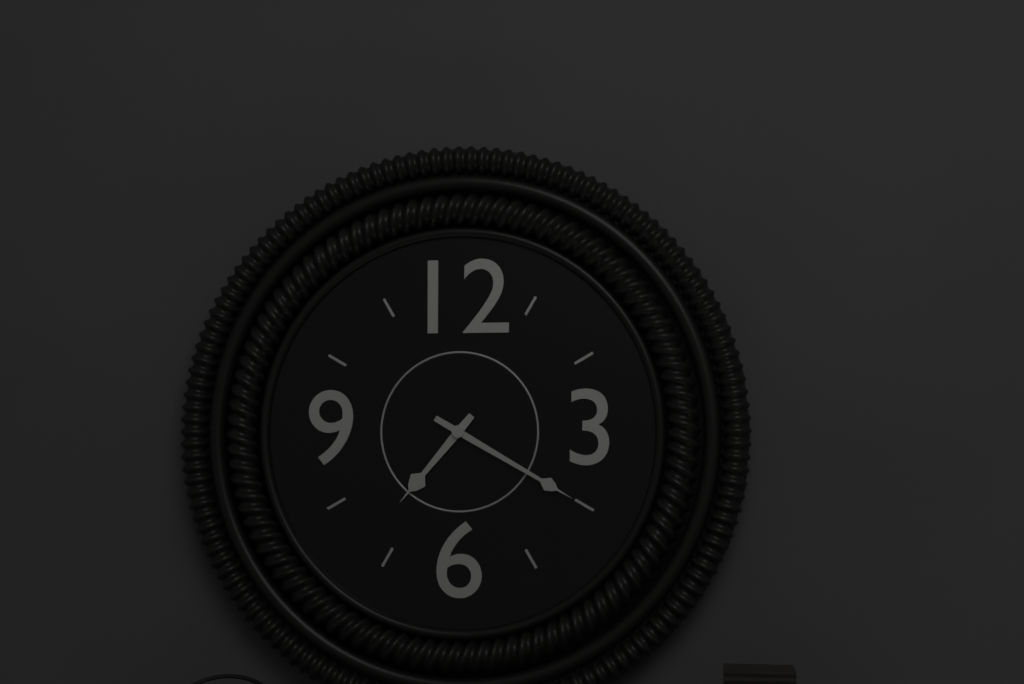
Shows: **7:20**
